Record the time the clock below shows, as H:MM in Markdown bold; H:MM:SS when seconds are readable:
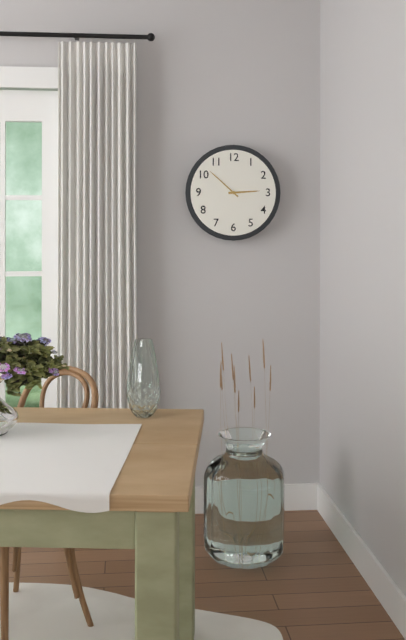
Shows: **2:52**
